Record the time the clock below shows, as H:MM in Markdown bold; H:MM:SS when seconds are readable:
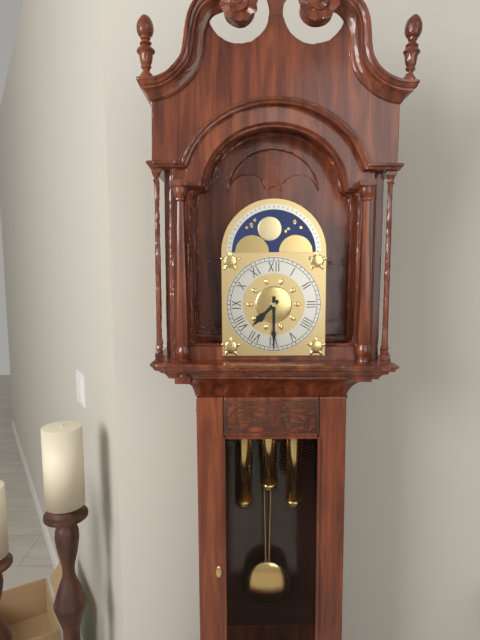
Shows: **7:30**
